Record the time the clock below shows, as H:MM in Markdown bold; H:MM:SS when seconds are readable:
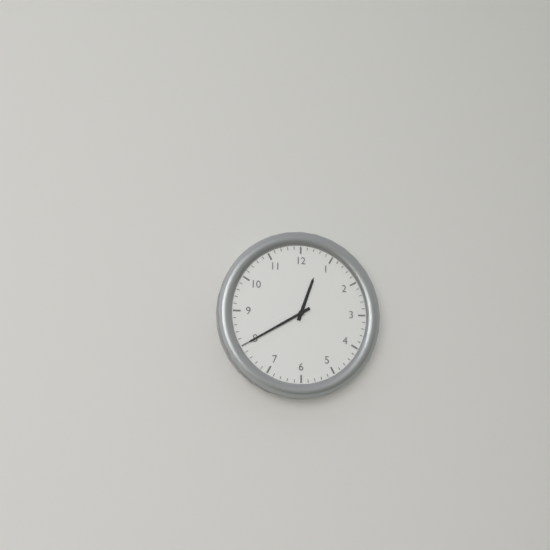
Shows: **12:40**
